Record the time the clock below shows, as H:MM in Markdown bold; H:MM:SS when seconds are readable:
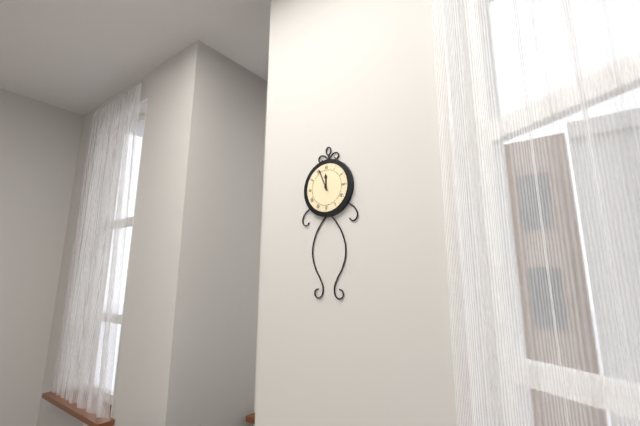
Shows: **11:56**
